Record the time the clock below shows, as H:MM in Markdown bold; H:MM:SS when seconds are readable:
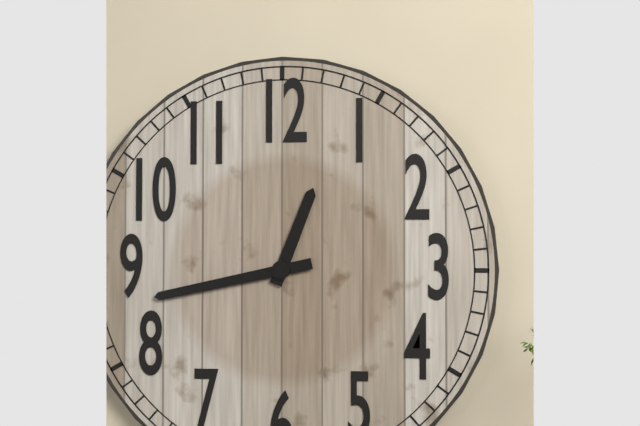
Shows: **12:43**
